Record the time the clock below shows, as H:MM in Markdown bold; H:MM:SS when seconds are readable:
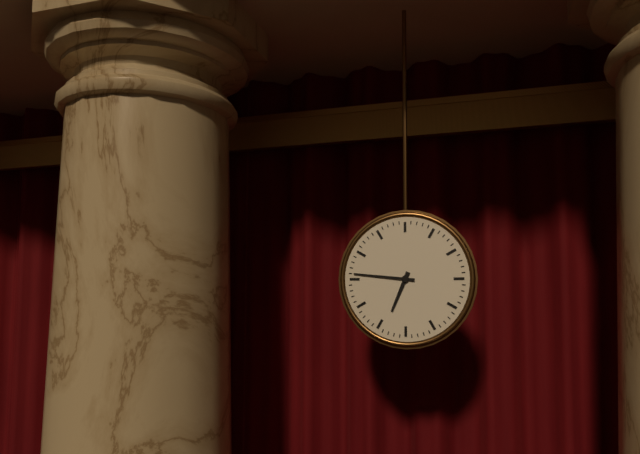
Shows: **6:46**
